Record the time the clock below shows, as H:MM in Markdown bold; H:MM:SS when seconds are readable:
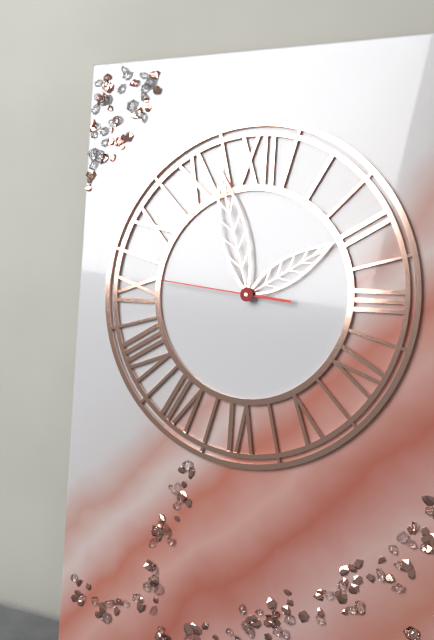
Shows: **1:57:46**
